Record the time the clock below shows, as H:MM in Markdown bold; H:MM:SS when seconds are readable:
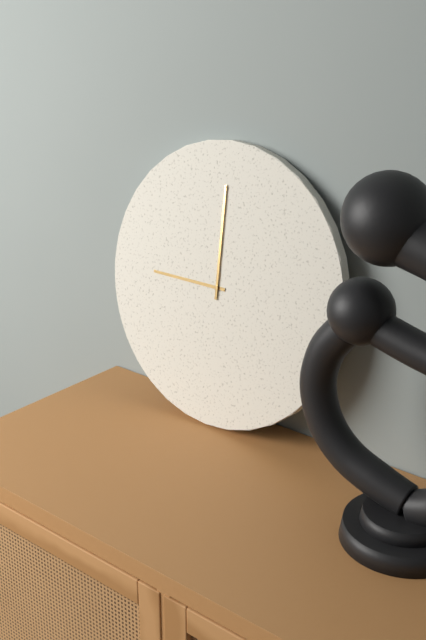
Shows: **9:00**
